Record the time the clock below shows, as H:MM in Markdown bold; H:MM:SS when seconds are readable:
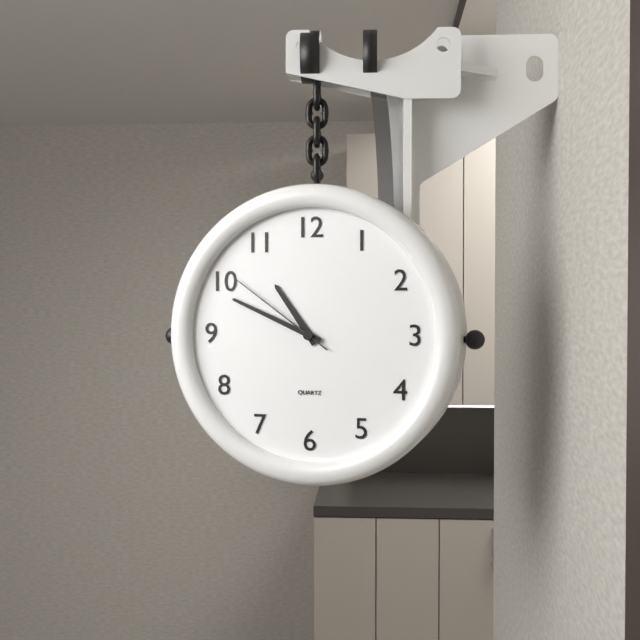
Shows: **10:49:51**
